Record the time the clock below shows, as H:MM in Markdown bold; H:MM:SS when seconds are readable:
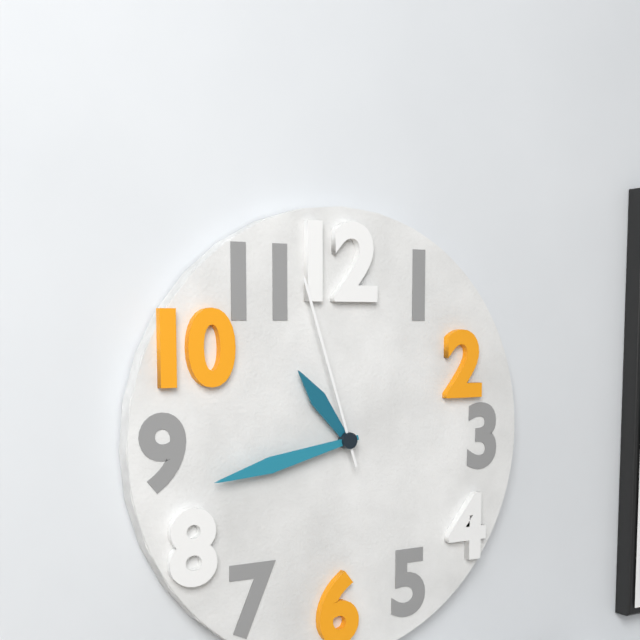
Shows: **10:43:57**
